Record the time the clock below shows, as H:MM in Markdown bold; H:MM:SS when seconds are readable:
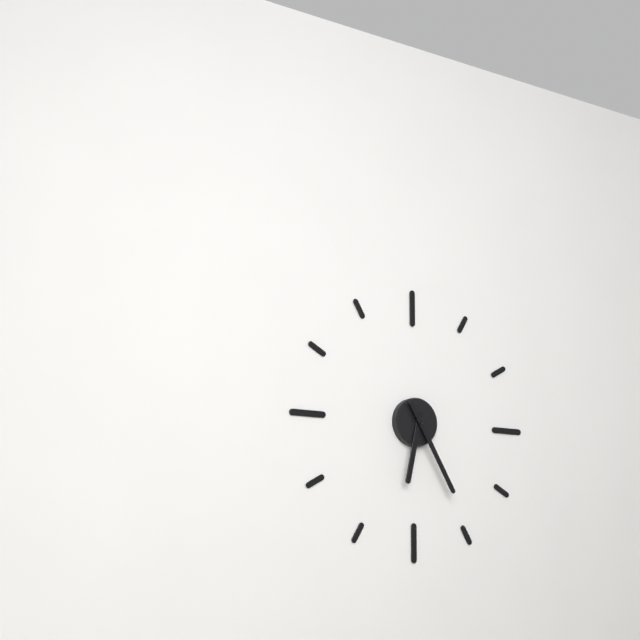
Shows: **6:25**
